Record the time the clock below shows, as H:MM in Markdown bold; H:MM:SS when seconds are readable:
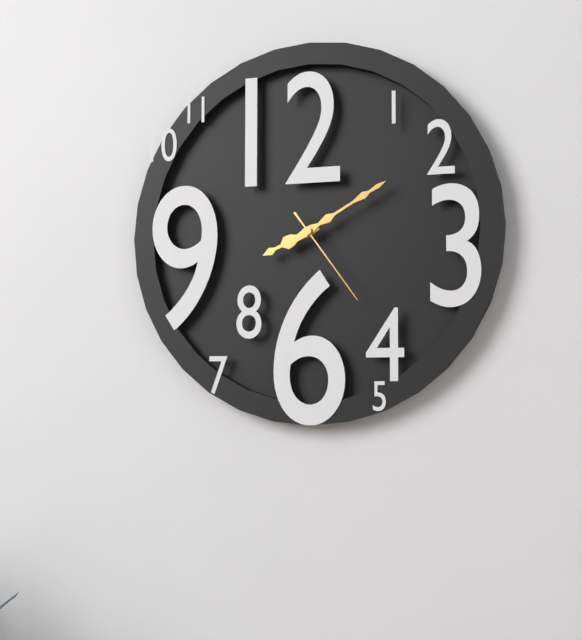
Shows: **8:10:24**
